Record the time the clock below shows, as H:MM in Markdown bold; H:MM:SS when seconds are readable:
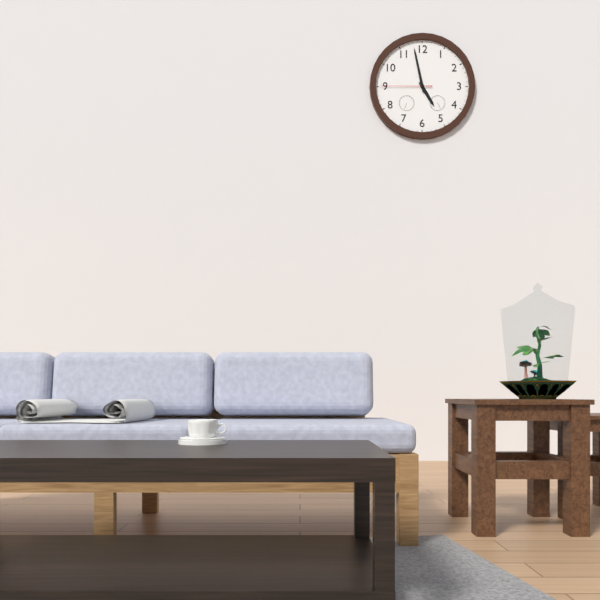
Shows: **4:58:45**
